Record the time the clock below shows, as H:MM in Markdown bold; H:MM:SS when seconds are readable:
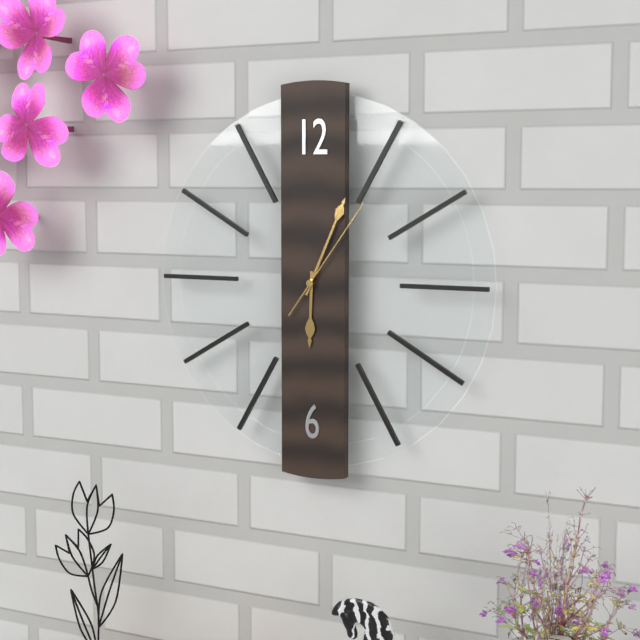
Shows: **6:04:06**
